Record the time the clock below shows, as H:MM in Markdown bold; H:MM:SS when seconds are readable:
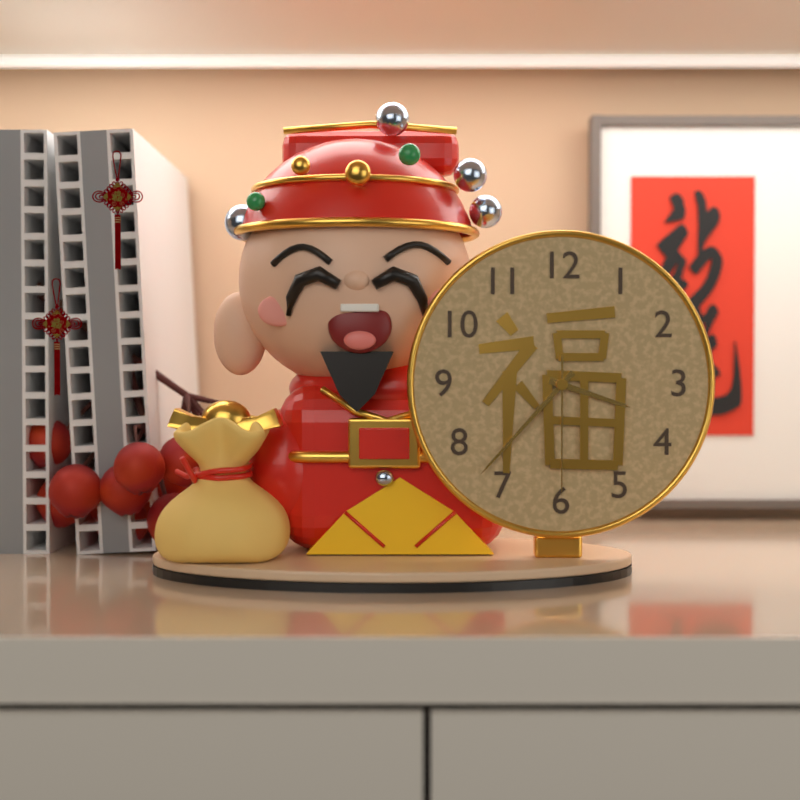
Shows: **3:37:30**
